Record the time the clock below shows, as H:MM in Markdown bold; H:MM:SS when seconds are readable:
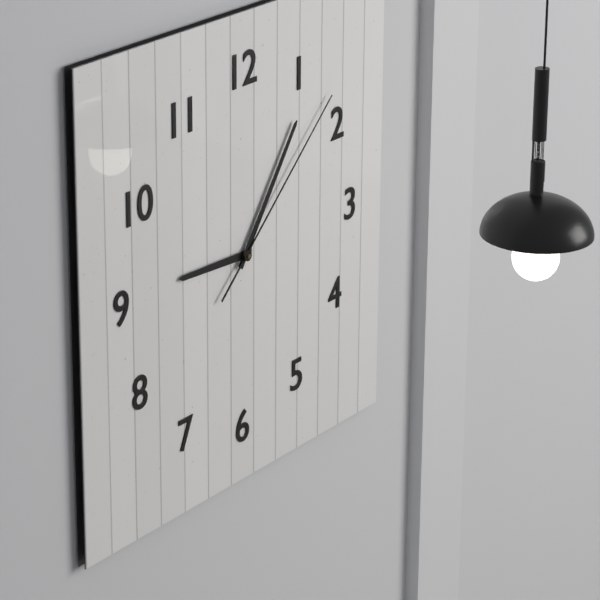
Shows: **9:06:08**
